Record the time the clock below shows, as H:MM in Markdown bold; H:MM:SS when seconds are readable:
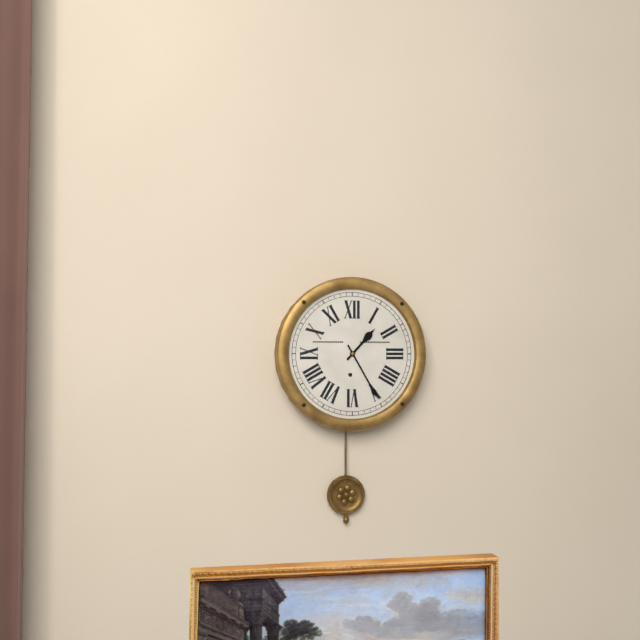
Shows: **1:25**
